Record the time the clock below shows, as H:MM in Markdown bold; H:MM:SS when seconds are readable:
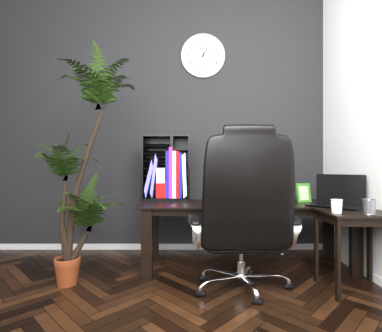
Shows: **1:00**
